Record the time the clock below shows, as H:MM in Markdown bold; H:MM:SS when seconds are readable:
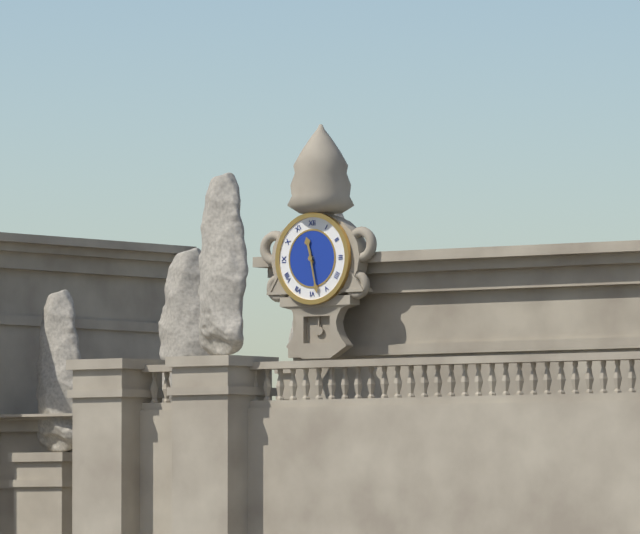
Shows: **11:28**
